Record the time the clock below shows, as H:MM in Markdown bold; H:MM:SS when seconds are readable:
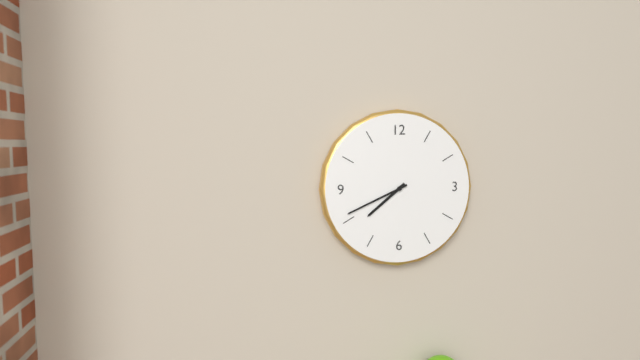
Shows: **7:41**
